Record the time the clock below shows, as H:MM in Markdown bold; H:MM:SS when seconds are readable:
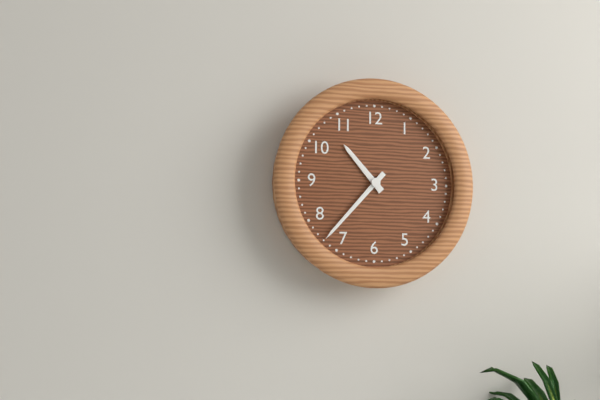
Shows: **10:37**
